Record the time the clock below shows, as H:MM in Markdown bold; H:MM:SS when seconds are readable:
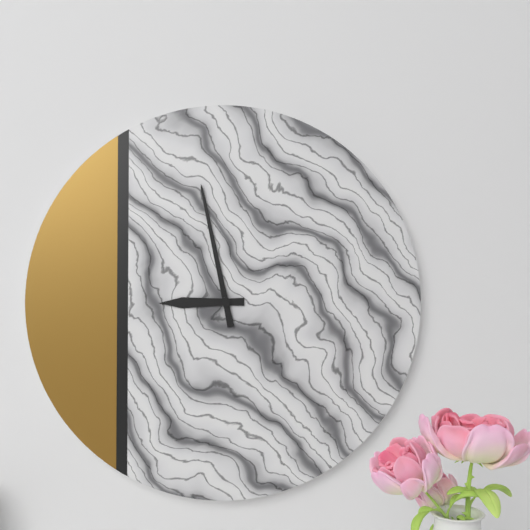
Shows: **8:58**
